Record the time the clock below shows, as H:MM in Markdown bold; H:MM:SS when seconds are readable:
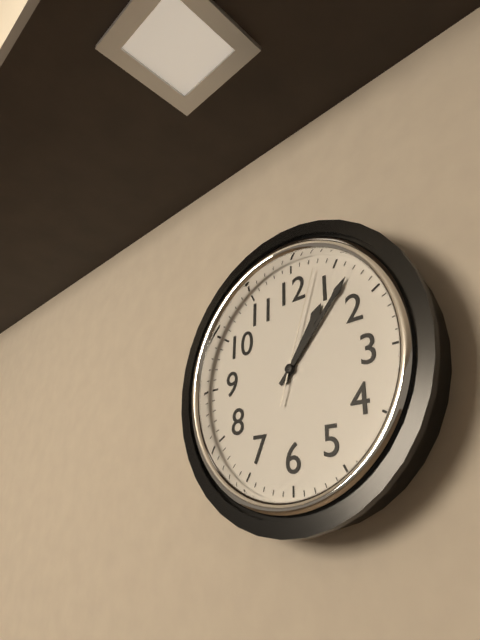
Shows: **1:07:03**
